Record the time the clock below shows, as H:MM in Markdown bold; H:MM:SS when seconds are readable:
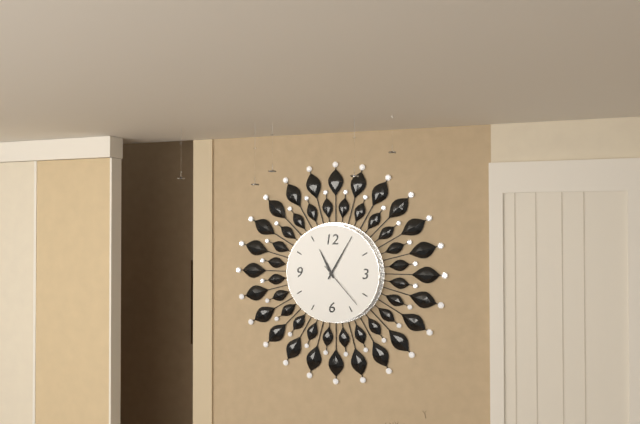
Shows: **11:05:23**
